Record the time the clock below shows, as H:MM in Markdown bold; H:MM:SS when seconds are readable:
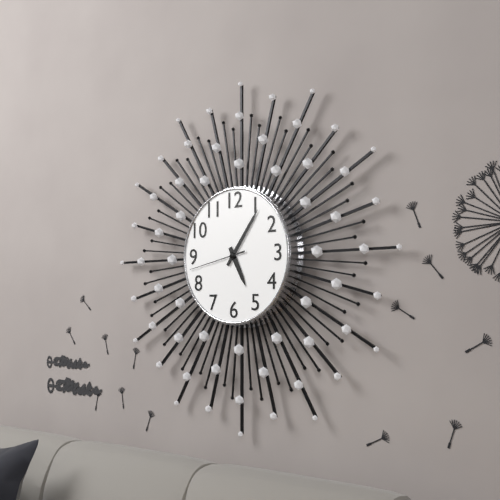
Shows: **5:06:43**
